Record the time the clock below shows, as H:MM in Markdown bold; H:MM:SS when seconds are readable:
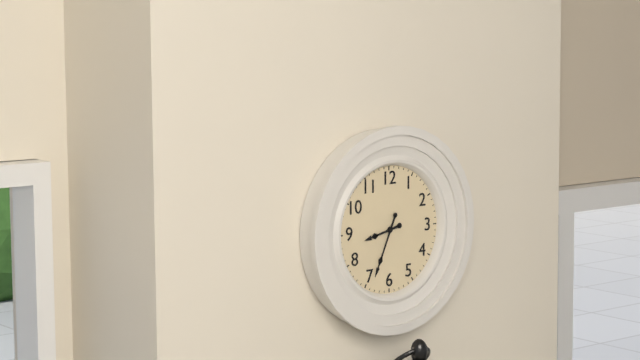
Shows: **8:34**
